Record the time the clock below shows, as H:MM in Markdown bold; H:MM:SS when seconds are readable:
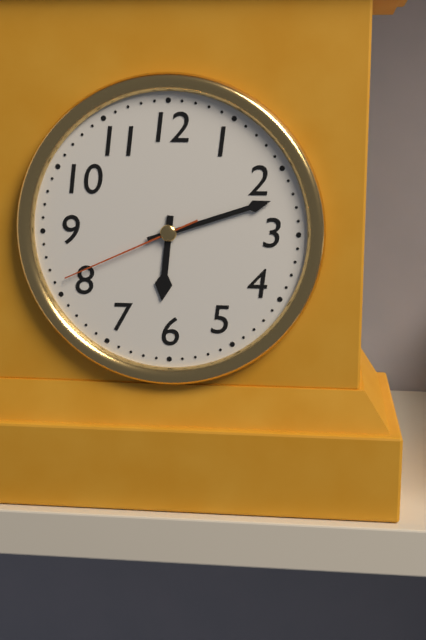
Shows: **6:12:41**
